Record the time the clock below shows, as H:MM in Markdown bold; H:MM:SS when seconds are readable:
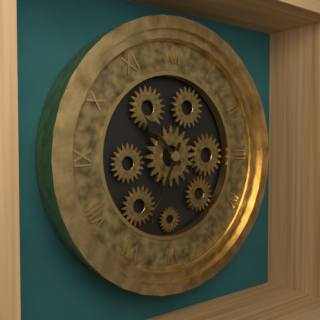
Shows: **10:34**
